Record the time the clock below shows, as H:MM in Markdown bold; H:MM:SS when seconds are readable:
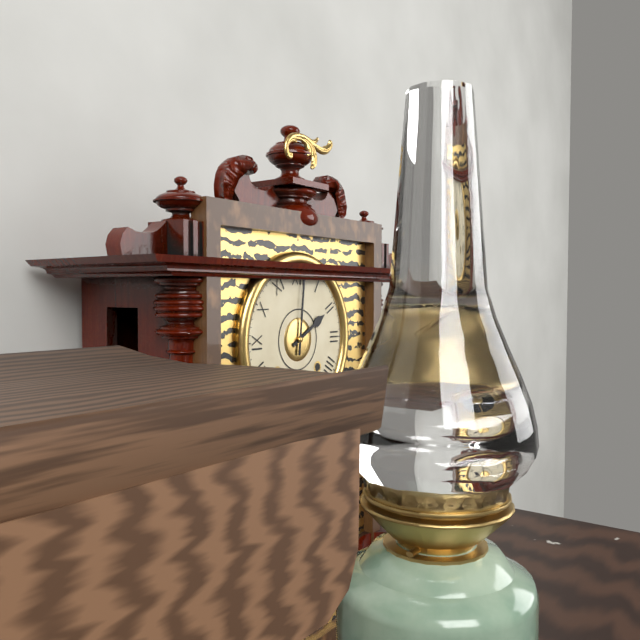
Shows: **2:01**
